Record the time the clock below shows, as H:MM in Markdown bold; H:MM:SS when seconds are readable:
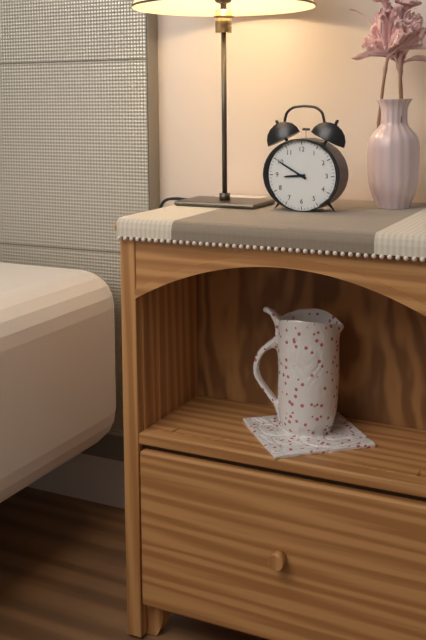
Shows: **8:50**
